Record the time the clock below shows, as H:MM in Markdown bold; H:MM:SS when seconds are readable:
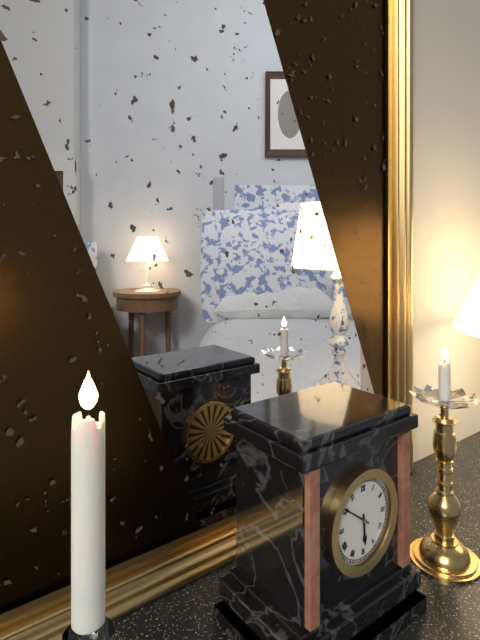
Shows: **5:51**
